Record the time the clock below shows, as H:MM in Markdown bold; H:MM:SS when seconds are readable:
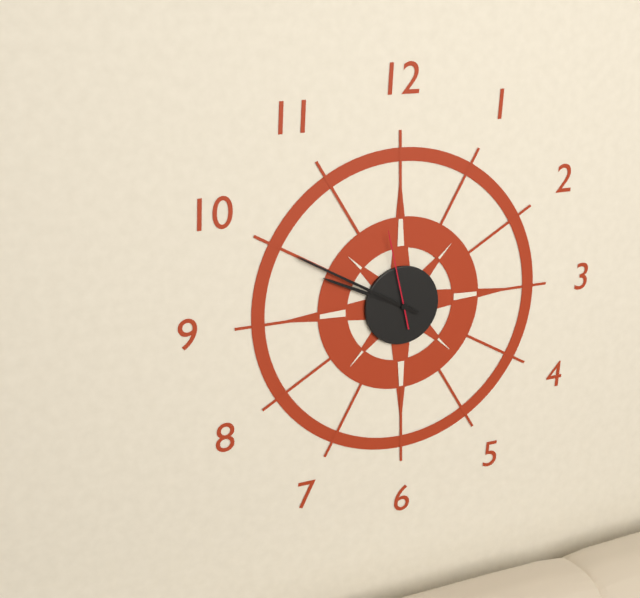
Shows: **9:50:58**
